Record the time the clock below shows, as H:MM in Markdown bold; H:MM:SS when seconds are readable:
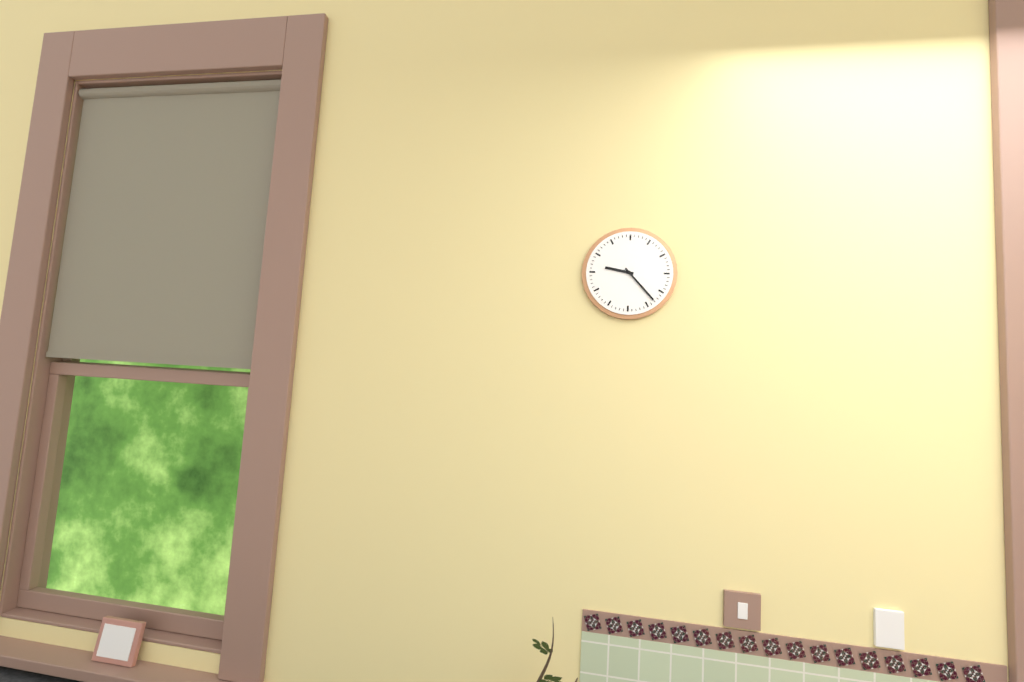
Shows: **9:23**
